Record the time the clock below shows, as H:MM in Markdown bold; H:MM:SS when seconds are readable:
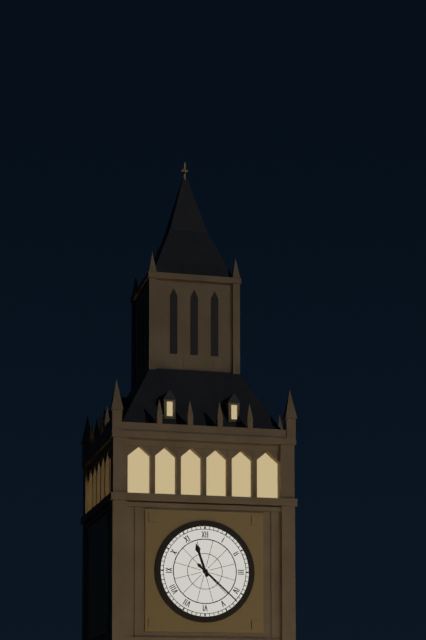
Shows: **11:22**
